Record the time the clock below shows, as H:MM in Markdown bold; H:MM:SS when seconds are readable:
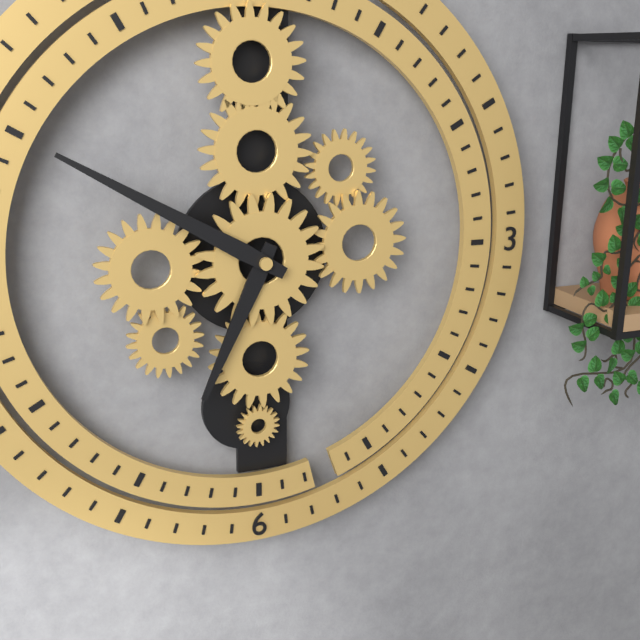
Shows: **6:50**
